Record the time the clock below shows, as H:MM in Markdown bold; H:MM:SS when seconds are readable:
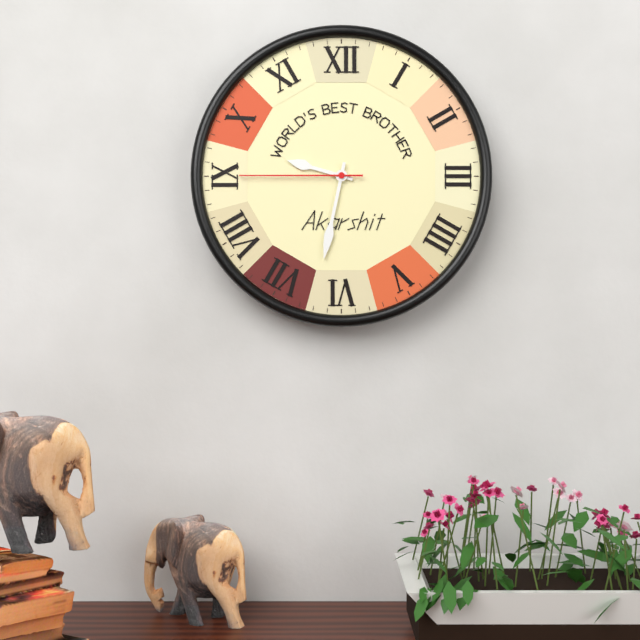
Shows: **9:32:45**
